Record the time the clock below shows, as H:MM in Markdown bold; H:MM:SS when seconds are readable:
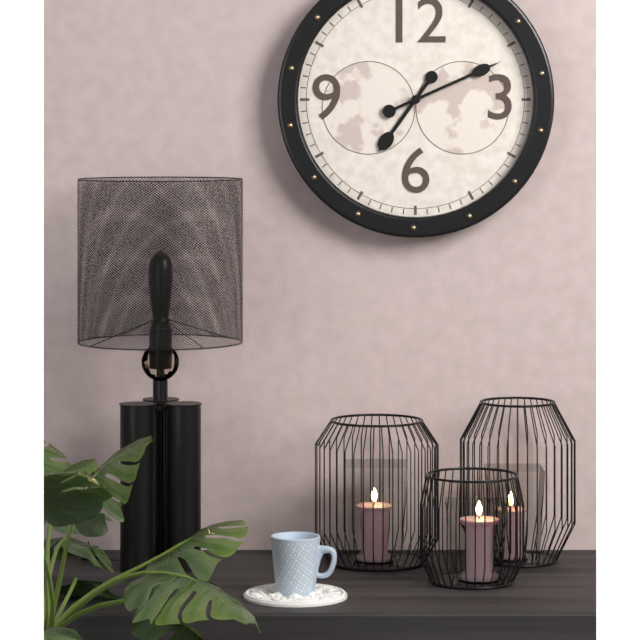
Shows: **7:11**
